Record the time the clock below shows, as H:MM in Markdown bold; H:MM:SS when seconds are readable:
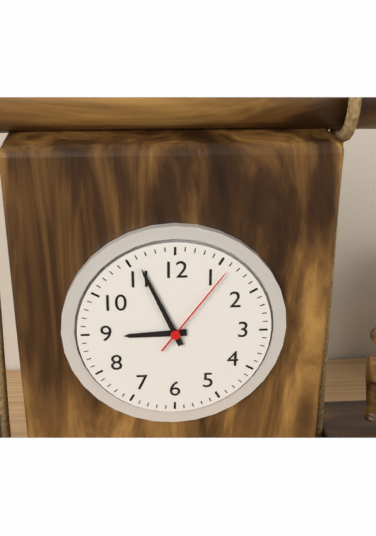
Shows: **8:56:06**
